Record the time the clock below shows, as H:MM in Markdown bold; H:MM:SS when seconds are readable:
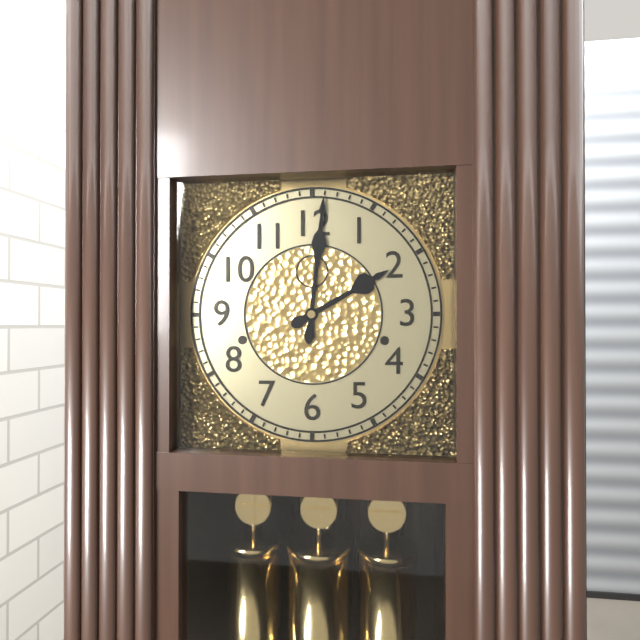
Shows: **2:01**
